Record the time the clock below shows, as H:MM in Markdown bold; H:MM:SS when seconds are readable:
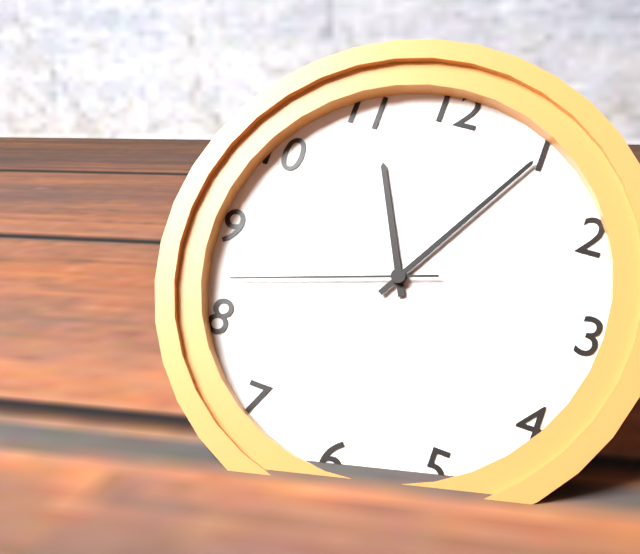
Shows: **11:05:42**
